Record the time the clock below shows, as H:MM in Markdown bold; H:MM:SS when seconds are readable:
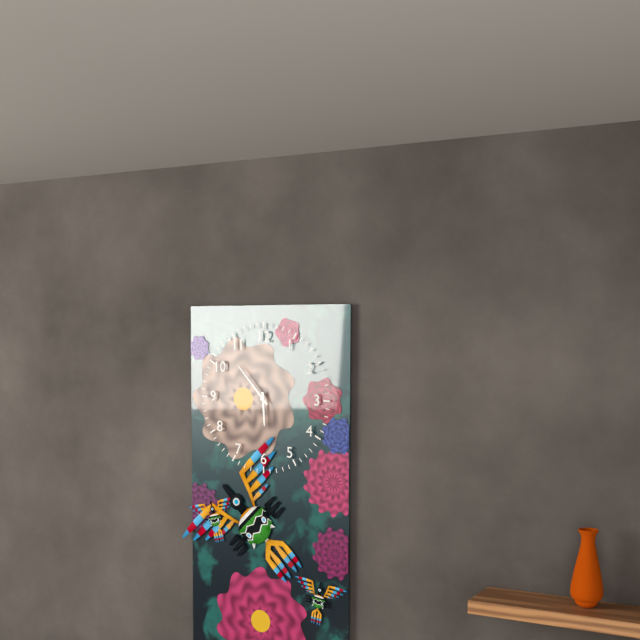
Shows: **5:53**
